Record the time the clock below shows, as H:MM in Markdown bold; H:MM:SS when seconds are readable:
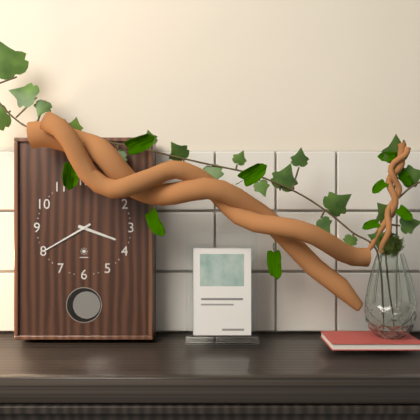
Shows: **3:40**
